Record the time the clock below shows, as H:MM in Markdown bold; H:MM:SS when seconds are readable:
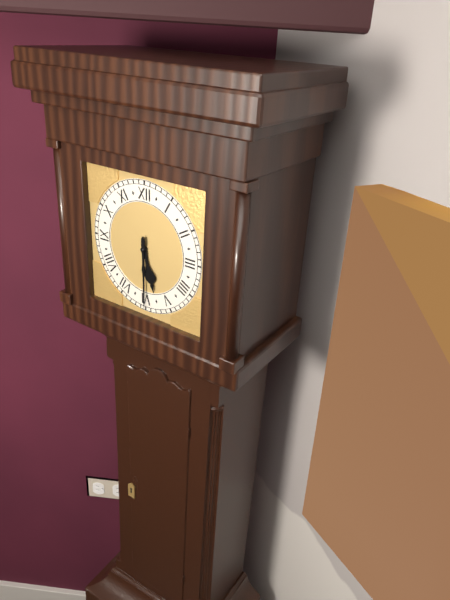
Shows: **5:30**
